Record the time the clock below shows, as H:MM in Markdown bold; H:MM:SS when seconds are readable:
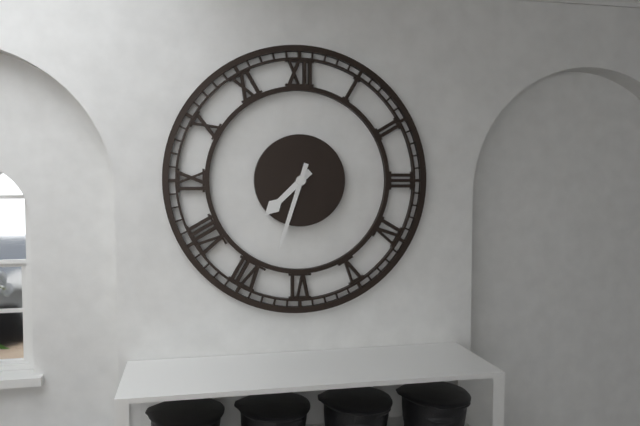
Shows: **7:33**
